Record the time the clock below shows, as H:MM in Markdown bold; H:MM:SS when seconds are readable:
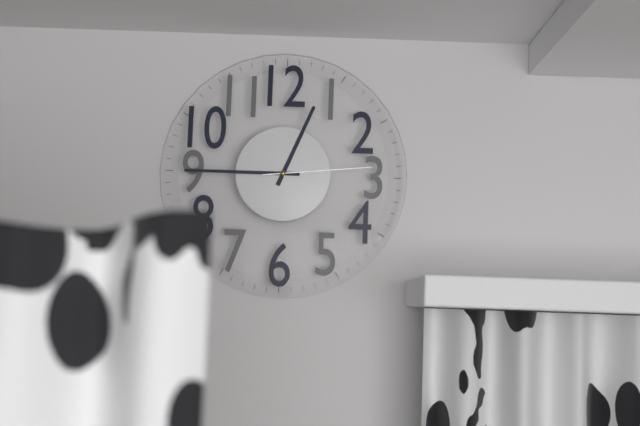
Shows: **12:45:14**
